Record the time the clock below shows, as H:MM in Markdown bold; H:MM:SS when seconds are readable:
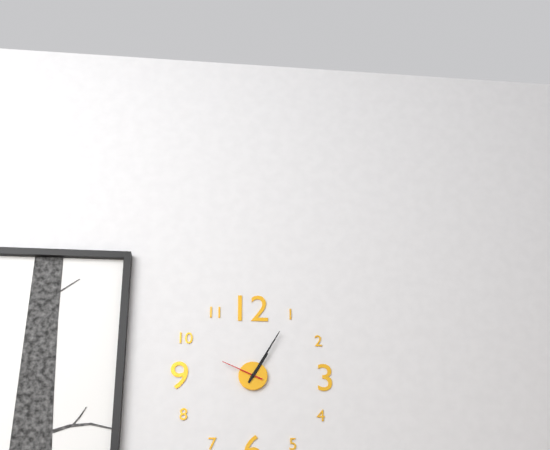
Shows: **1:05**
